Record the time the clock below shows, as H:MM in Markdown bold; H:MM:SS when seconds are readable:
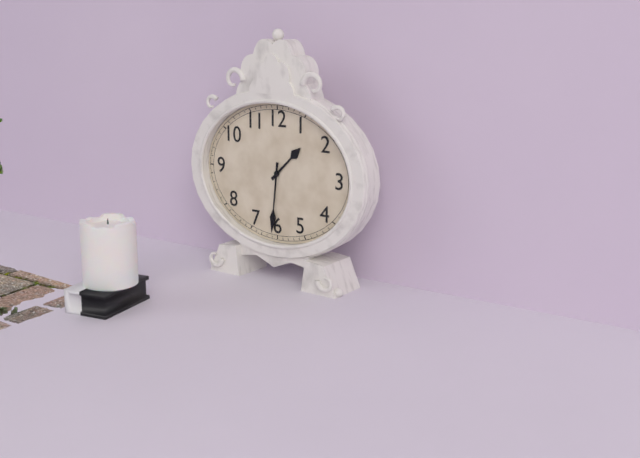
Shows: **1:31**
